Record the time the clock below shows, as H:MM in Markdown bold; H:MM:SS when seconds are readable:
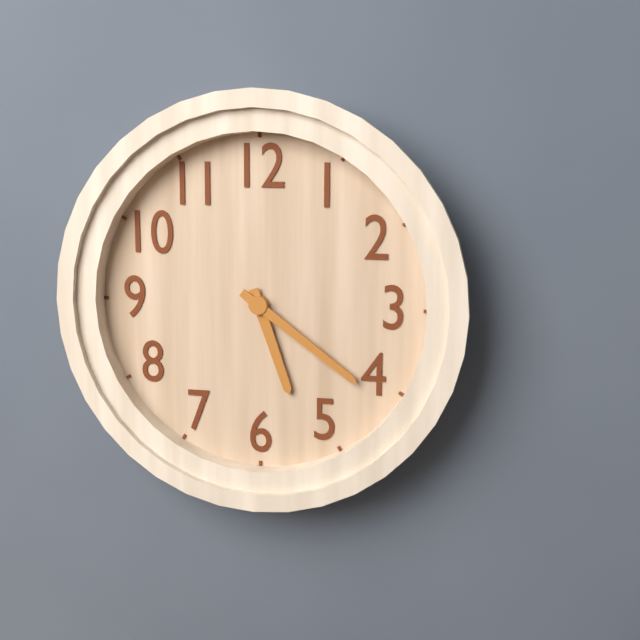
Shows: **5:21**
